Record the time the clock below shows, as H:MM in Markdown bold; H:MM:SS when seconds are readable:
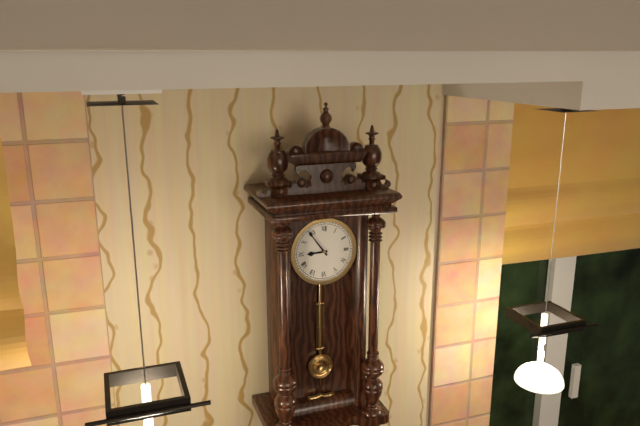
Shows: **8:54**
